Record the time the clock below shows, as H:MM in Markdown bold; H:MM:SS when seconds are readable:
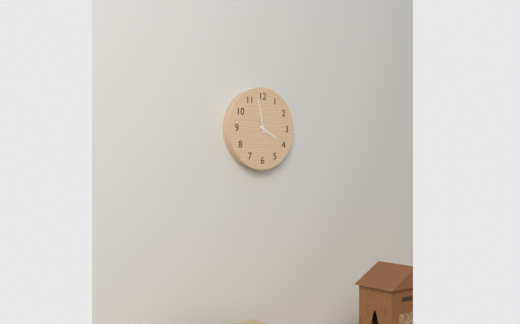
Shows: **3:58**
